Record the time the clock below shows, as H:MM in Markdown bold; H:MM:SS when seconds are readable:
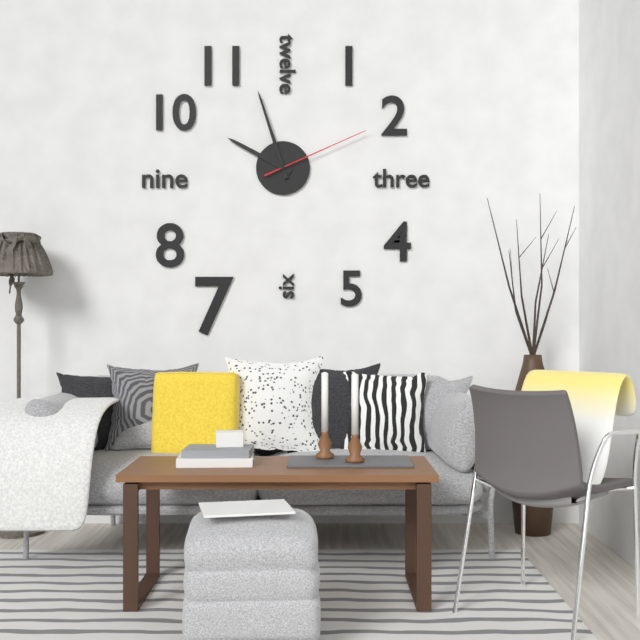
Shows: **9:57:11**
